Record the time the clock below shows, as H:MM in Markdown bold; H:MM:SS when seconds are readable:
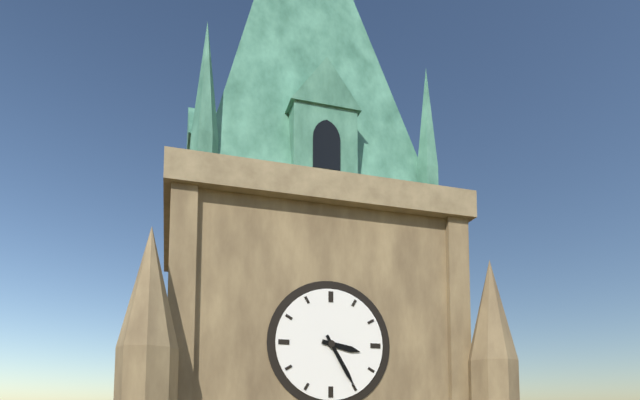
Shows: **3:25**
